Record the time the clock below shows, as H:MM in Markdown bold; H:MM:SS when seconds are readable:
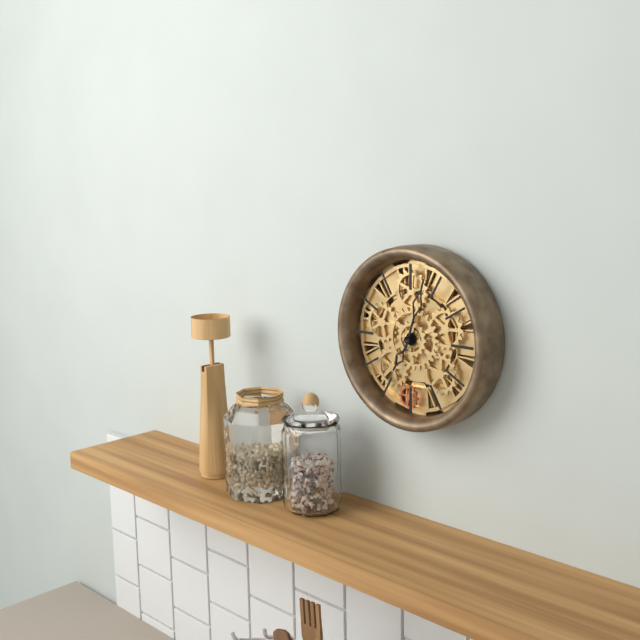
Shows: **7:03**
